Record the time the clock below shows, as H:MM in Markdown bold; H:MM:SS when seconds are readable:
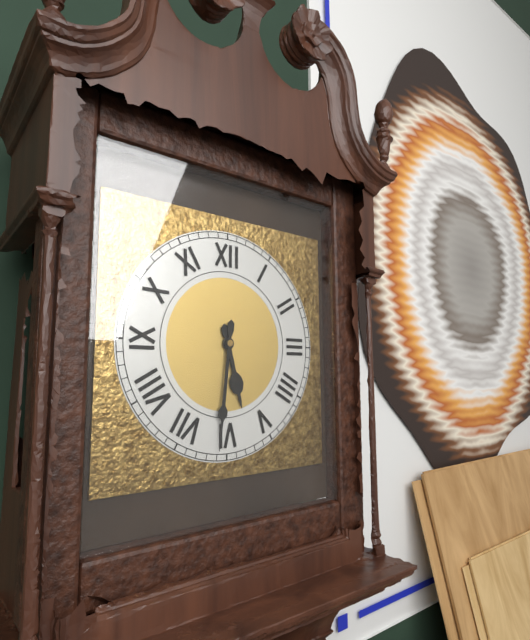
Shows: **5:31**
